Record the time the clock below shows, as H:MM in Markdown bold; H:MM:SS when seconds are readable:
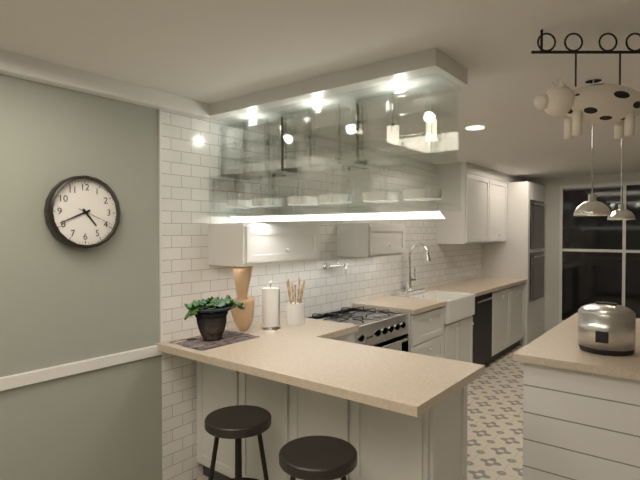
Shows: **4:41**
